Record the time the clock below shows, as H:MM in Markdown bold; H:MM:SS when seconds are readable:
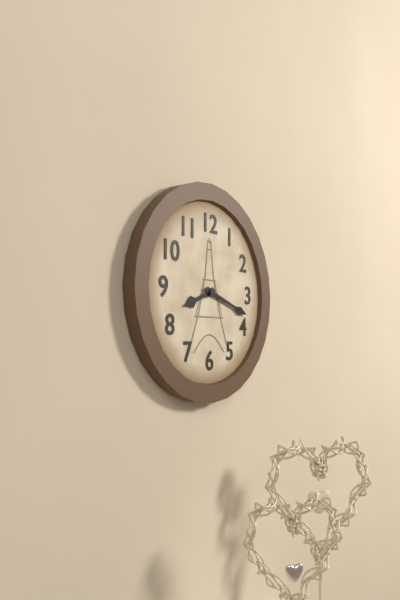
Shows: **8:18**
